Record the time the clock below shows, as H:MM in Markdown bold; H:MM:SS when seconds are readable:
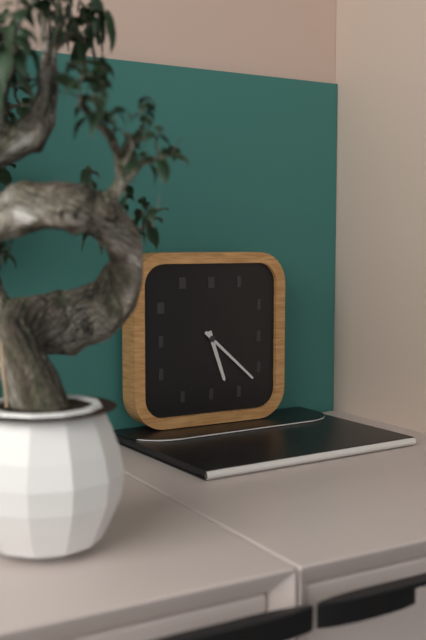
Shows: **5:22**
